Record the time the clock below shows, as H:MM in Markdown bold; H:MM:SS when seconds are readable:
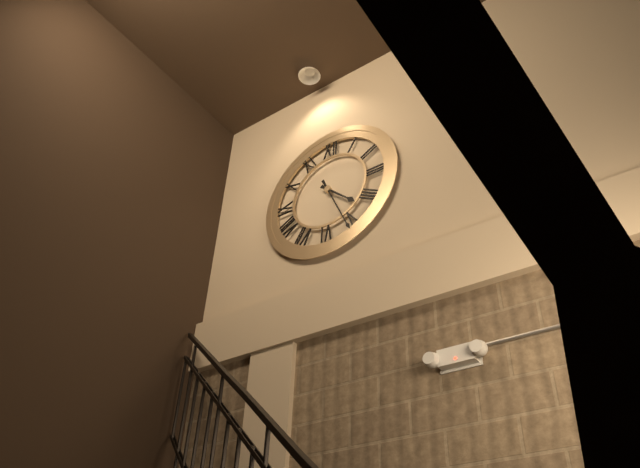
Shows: **4:26**
